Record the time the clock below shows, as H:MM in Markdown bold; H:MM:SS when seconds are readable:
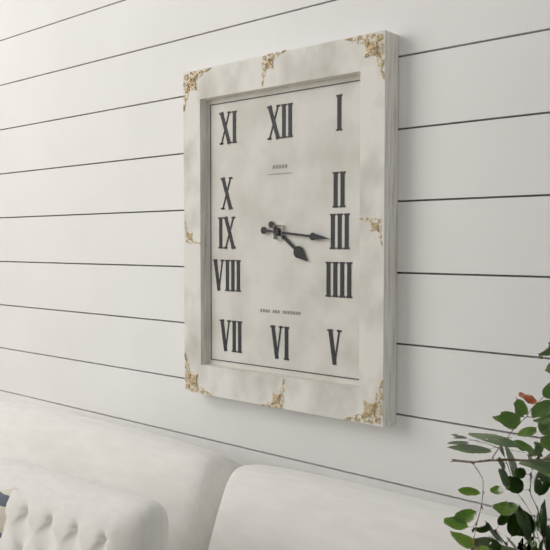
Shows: **4:16**
